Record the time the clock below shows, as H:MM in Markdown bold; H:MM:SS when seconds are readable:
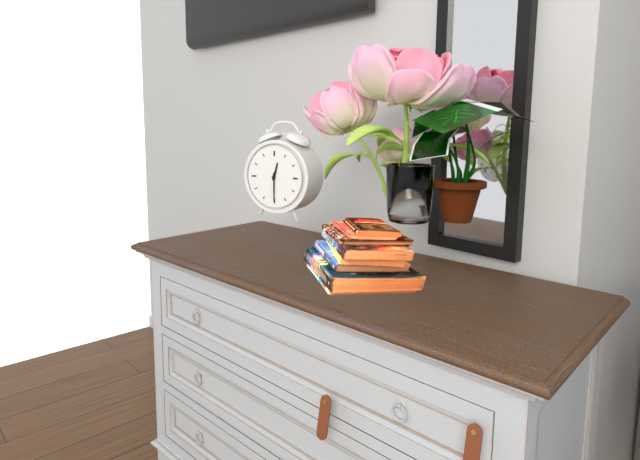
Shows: **12:30**
